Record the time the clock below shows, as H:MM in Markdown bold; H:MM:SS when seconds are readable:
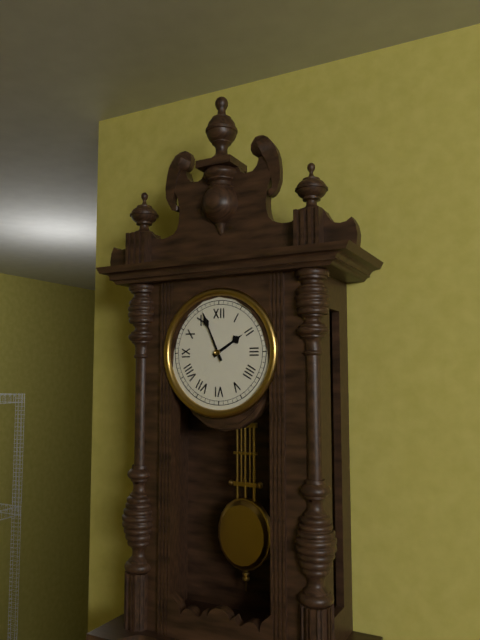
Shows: **1:56**
